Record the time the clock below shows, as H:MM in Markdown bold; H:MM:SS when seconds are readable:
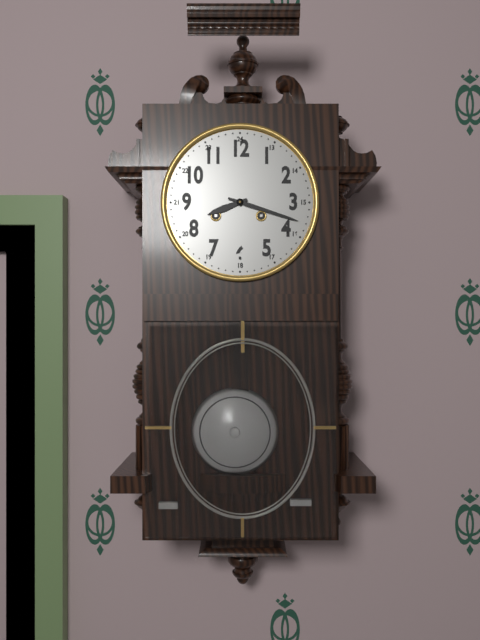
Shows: **8:18**
